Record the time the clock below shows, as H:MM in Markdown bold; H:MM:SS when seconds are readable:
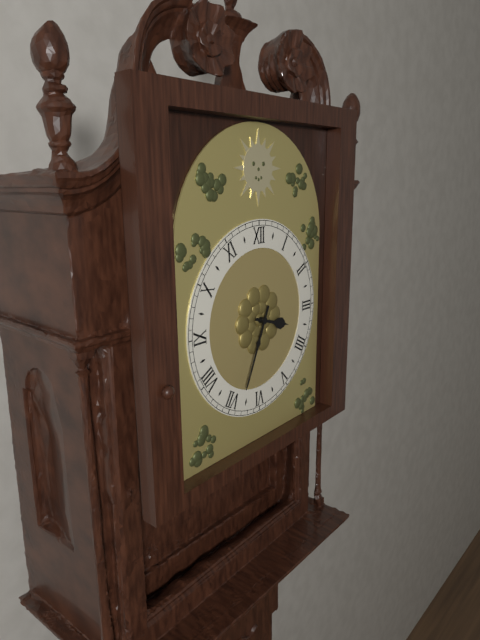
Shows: **3:34**
